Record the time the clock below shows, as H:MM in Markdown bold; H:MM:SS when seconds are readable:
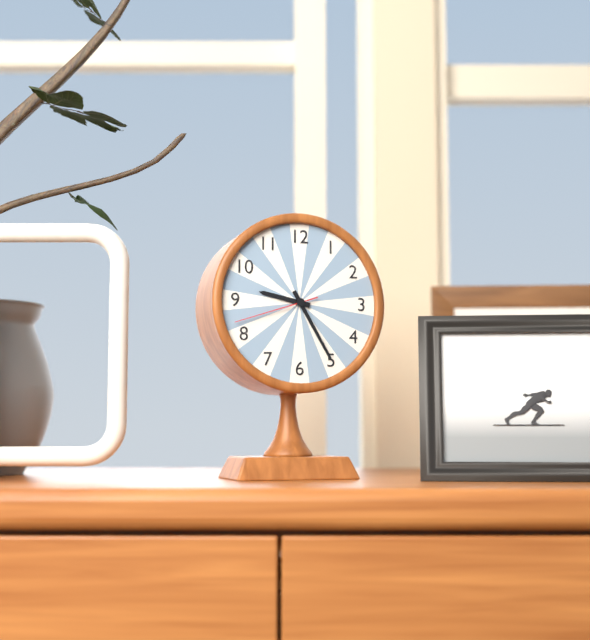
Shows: **9:25:42**
